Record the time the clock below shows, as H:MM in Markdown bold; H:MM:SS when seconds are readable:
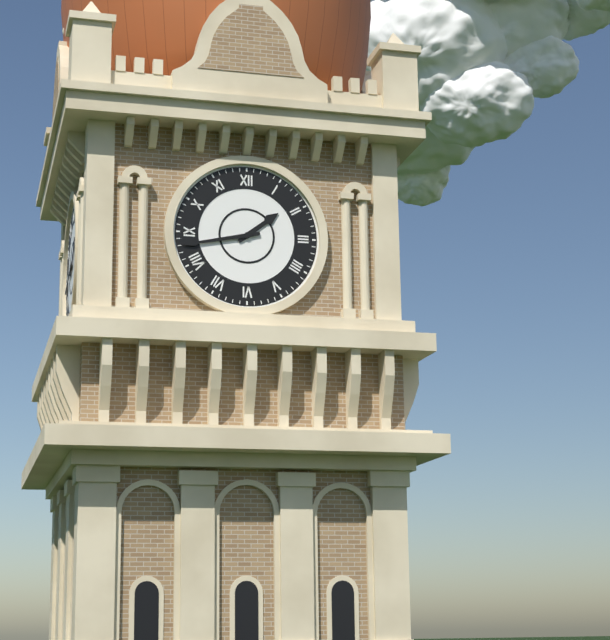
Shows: **1:43**
